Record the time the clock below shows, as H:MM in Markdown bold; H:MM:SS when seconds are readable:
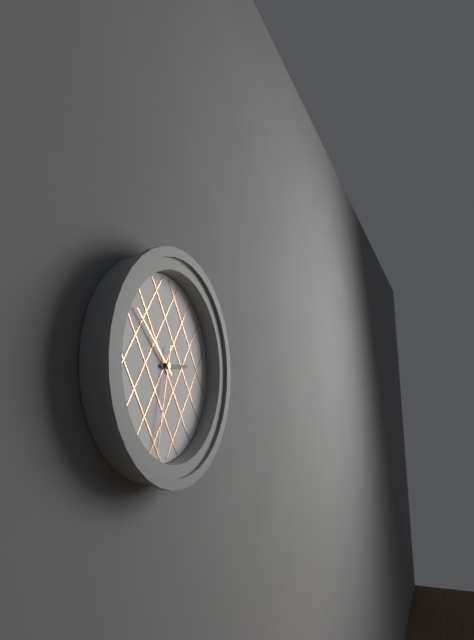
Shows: **2:52:32**
